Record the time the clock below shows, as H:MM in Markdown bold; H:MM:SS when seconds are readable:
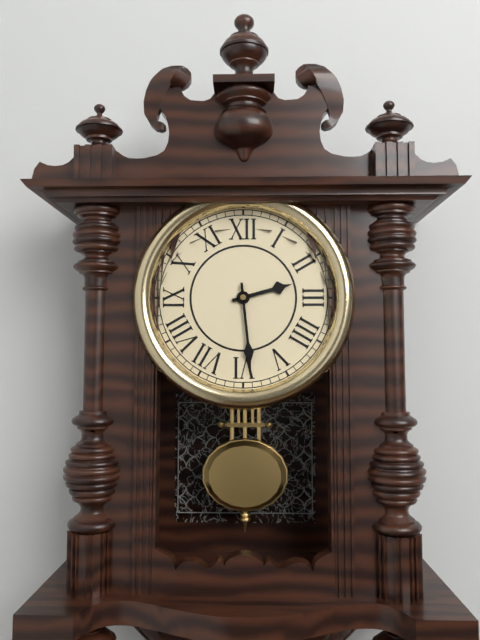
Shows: **2:29**
